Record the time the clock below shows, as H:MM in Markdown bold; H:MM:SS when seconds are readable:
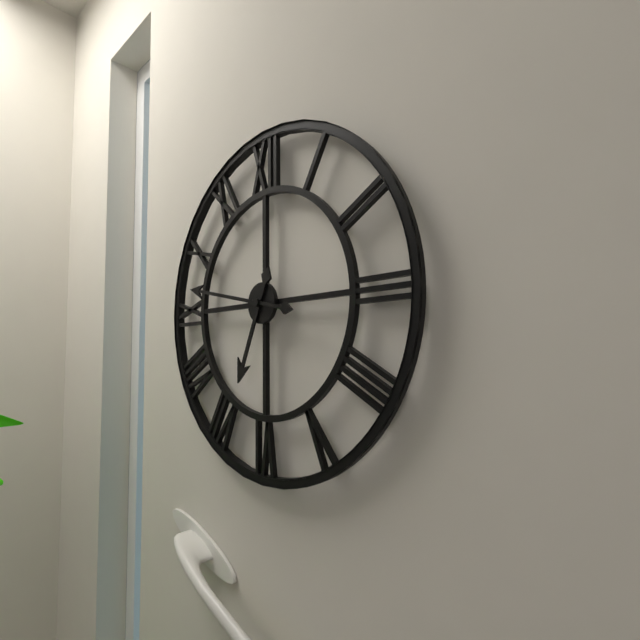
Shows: **6:47**
